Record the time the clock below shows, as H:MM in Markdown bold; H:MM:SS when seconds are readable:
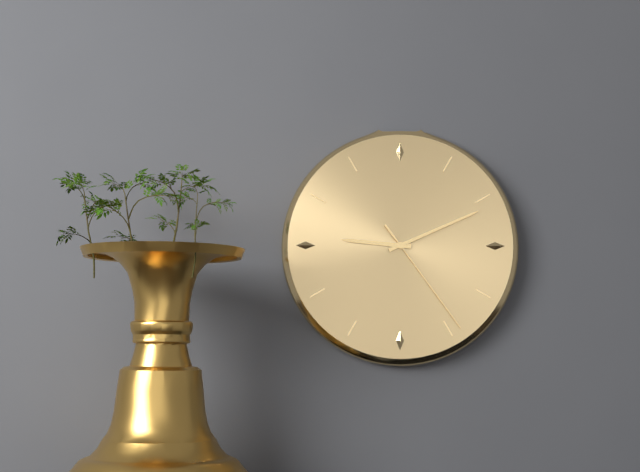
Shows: **9:11:24**
